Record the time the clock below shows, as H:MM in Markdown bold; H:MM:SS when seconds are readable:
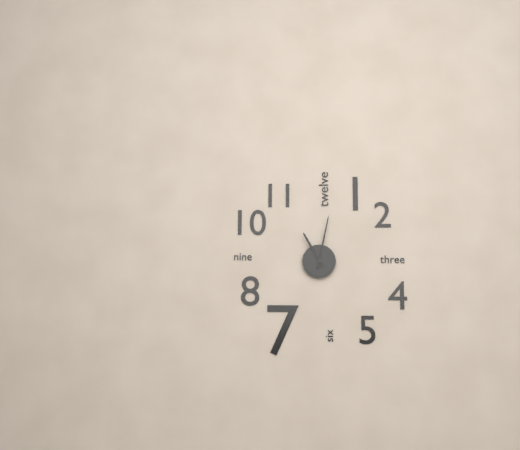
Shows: **11:02**
